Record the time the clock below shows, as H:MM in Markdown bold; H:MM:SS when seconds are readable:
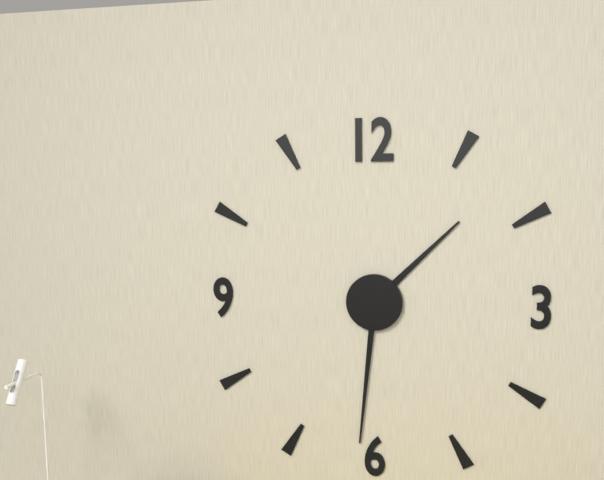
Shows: **1:31**
